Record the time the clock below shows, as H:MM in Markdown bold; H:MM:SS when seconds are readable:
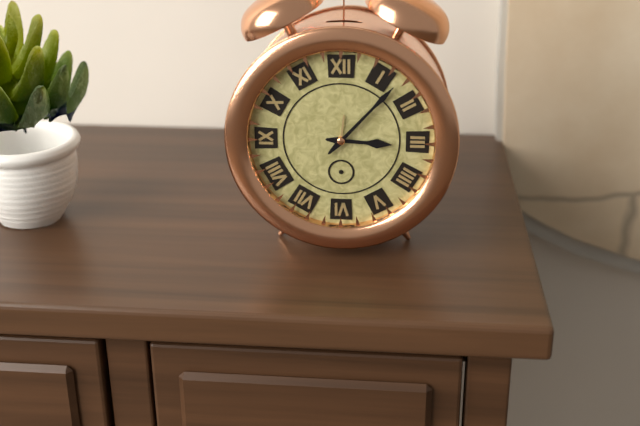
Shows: **3:07**
